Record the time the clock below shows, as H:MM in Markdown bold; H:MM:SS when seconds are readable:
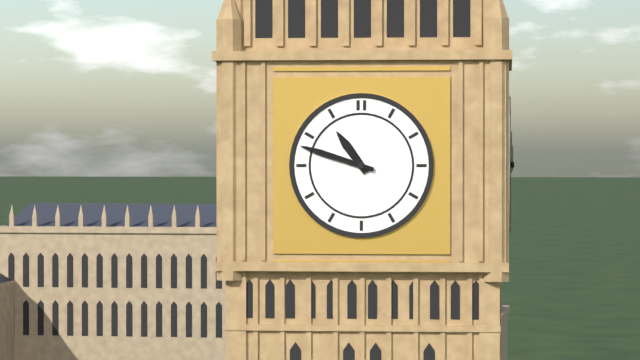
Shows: **10:48**
